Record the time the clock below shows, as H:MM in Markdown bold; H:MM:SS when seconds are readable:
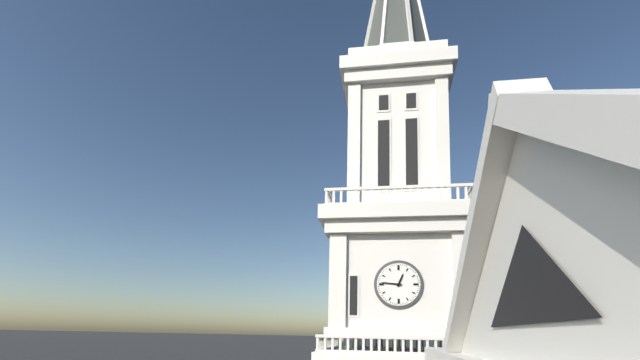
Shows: **12:46**
